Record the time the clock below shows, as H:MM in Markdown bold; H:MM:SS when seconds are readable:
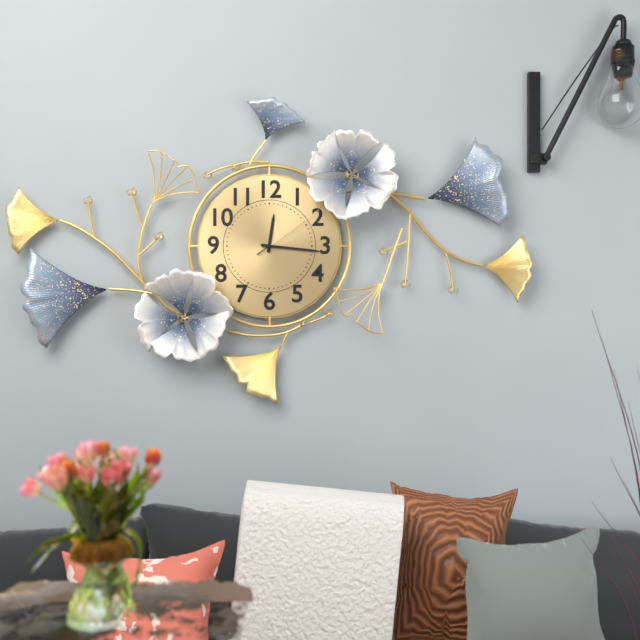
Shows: **12:16:09**
